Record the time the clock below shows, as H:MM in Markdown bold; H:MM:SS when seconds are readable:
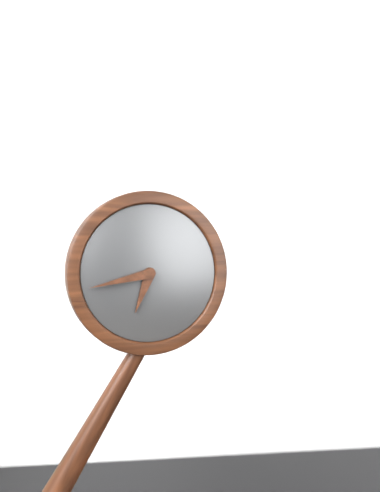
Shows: **6:43**
